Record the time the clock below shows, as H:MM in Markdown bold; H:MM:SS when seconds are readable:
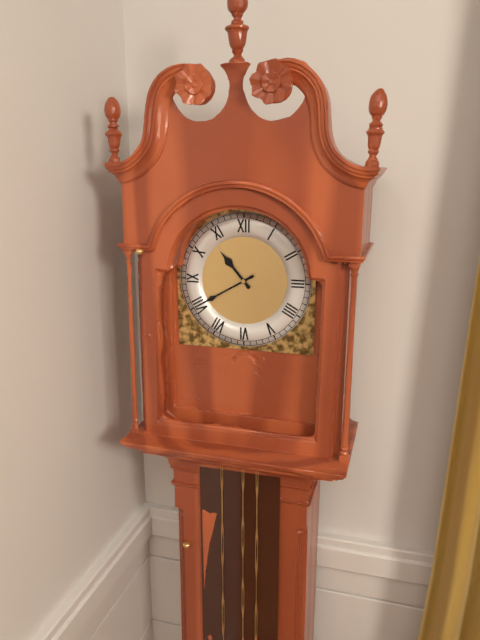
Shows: **10:40**
